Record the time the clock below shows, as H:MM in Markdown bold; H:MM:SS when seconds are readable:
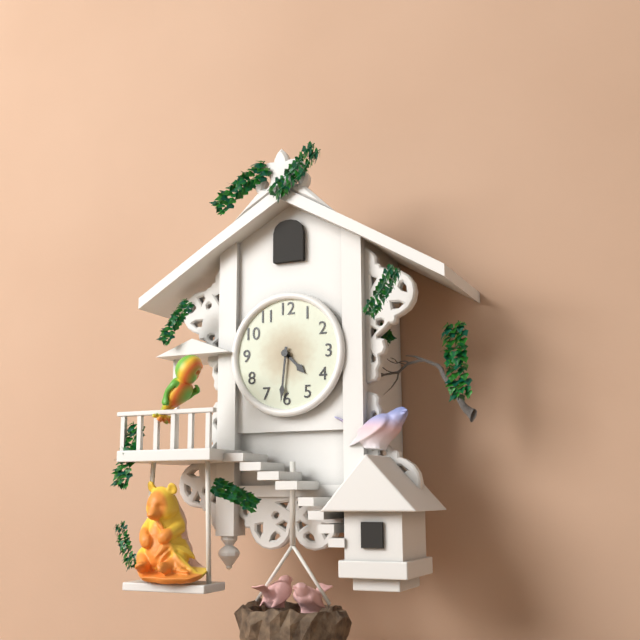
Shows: **4:31**
